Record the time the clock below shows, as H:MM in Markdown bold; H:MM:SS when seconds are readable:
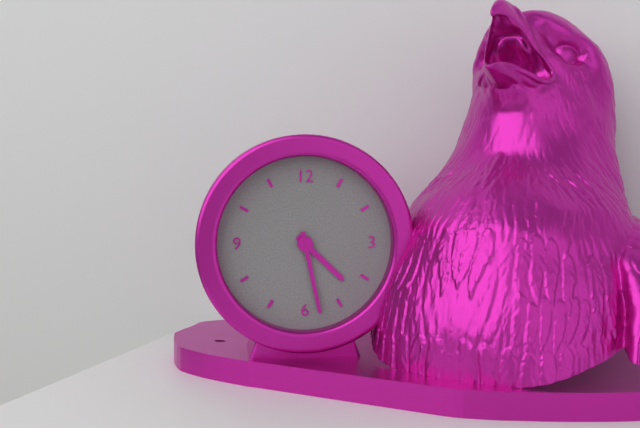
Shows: **4:28**
